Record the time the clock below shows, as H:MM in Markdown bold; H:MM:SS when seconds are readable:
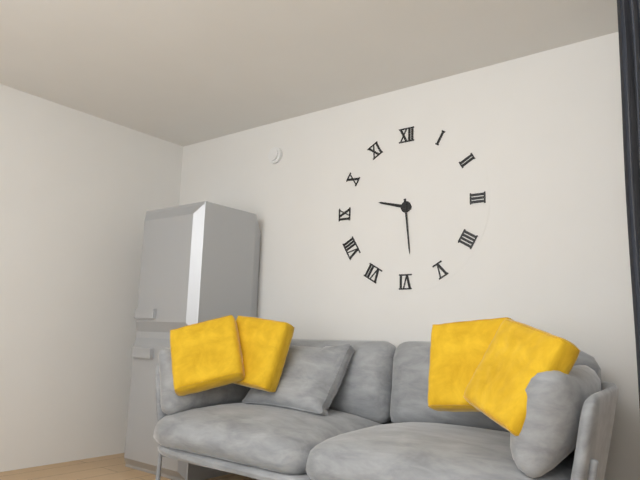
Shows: **9:29**
